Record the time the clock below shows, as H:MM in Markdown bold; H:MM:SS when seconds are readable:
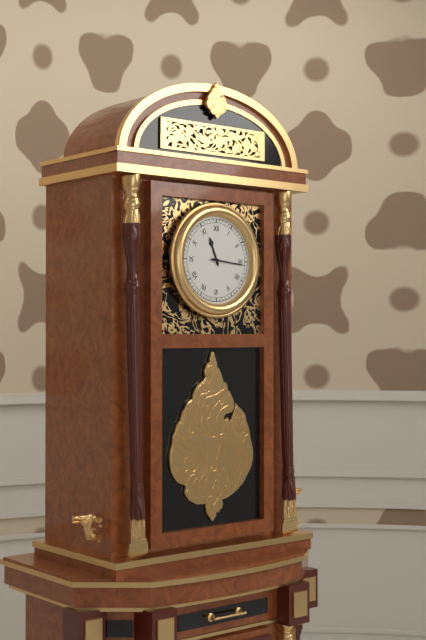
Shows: **11:16**
